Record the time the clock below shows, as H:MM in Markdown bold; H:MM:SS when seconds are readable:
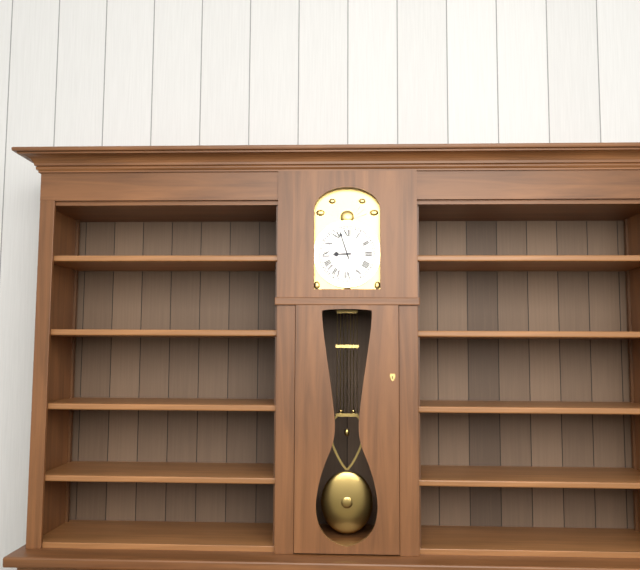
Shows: **8:57**
